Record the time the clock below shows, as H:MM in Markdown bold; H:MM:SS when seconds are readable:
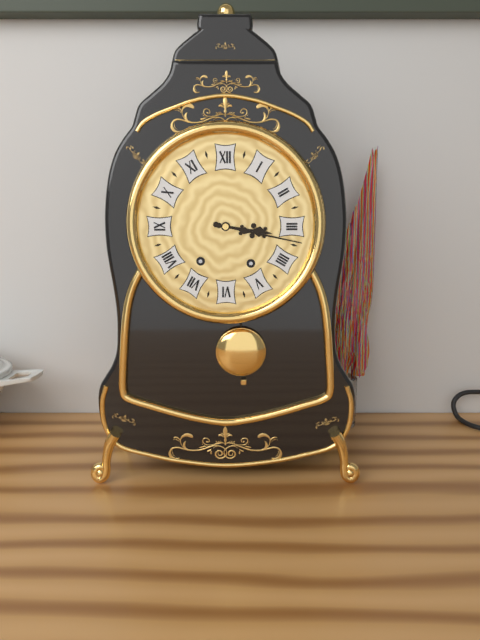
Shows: **3:17**
